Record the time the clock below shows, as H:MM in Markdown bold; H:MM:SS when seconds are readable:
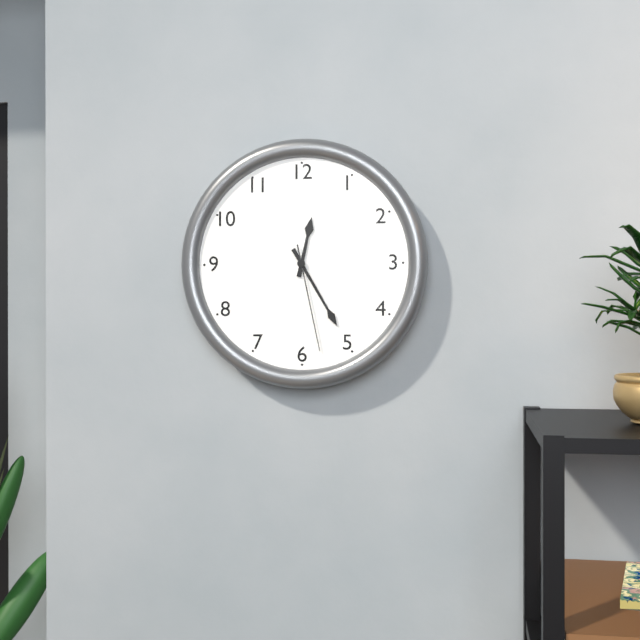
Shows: **12:25:28**
